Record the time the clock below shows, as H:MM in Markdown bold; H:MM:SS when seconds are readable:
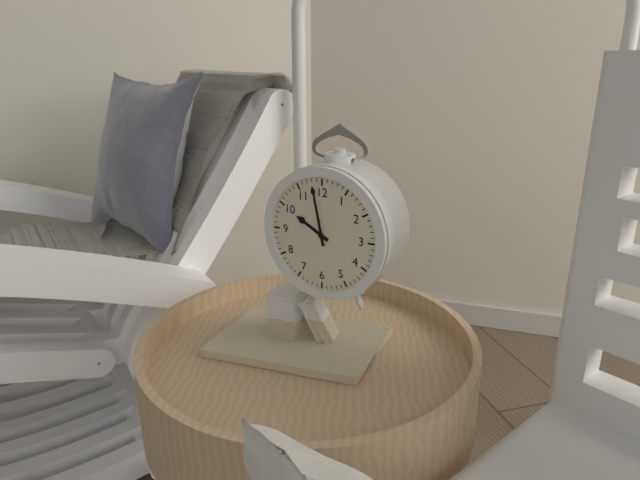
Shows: **9:58**
